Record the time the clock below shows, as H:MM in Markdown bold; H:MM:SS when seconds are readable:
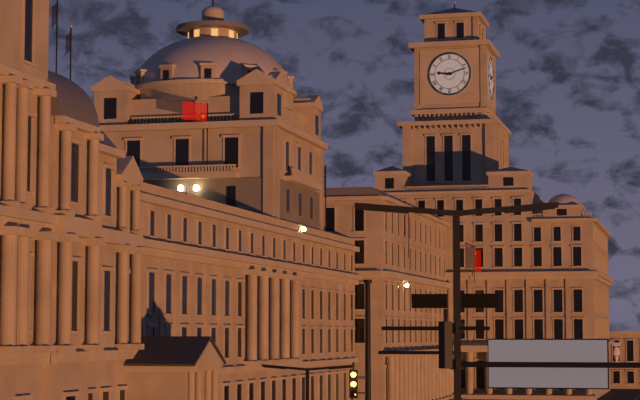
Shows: **9:12**
